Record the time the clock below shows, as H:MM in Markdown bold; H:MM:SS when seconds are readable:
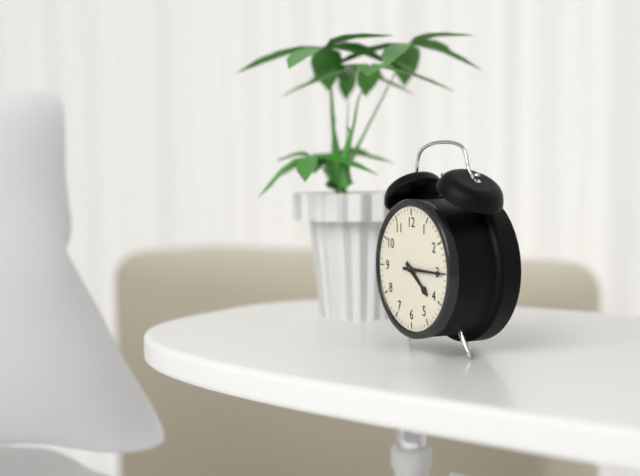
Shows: **4:15**
